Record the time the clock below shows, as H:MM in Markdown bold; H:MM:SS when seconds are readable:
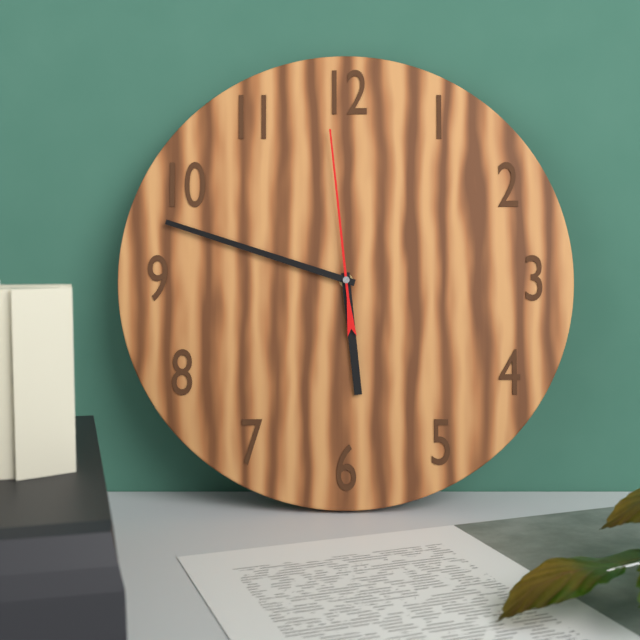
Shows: **5:48:59**
